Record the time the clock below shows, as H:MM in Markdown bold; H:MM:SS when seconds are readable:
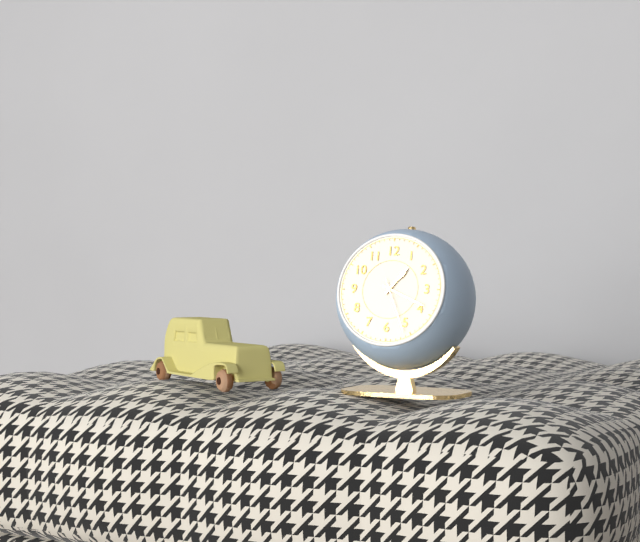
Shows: **1:19**
